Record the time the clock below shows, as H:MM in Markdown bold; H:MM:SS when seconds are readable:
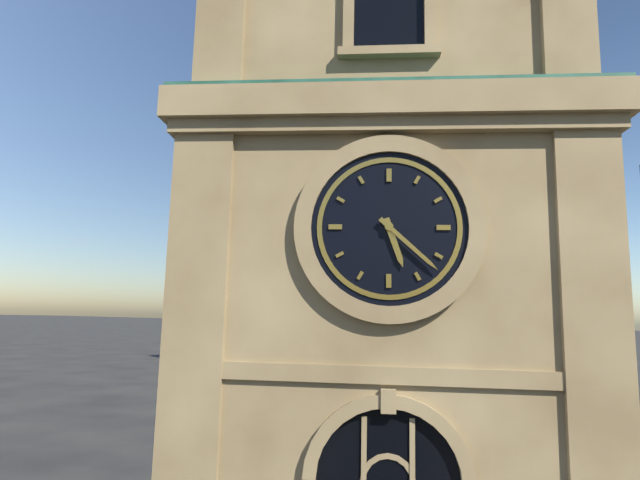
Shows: **5:22**
